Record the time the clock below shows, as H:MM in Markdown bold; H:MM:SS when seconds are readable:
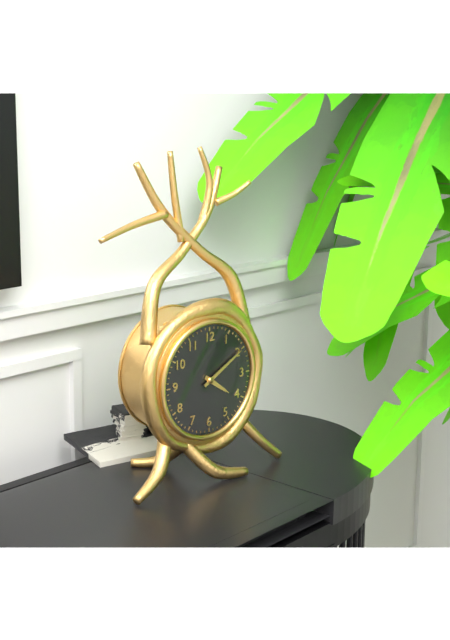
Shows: **4:10**
